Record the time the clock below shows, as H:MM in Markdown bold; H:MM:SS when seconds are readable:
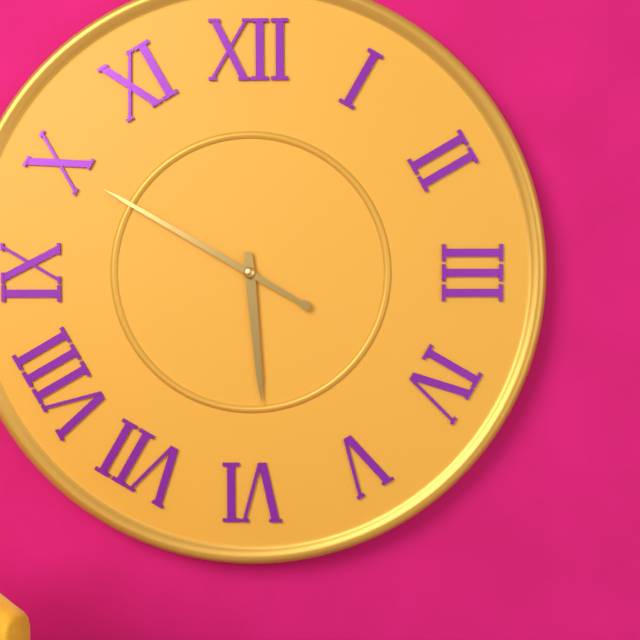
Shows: **5:50**
